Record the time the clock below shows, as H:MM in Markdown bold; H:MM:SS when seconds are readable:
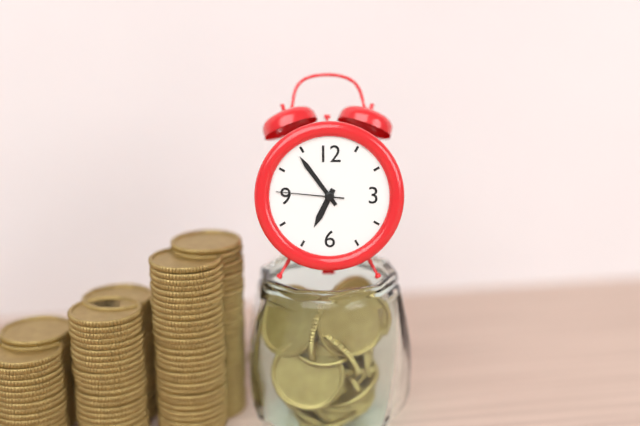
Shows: **6:54:46**
